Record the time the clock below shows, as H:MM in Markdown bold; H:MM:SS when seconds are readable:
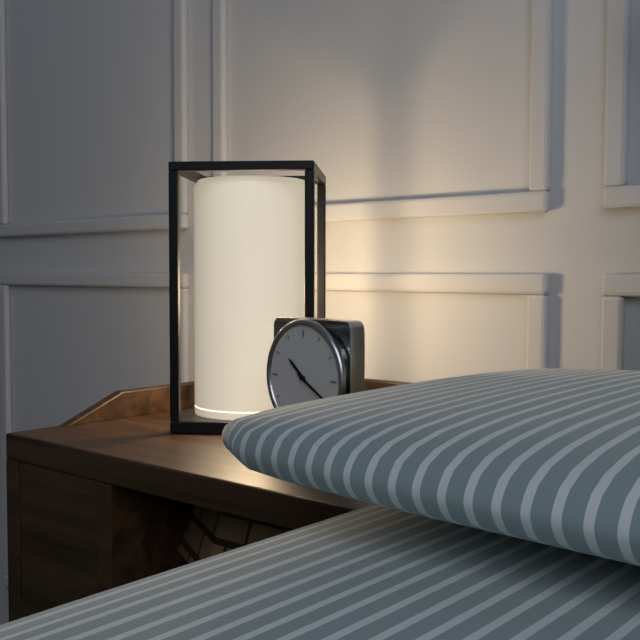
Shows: **10:20**
